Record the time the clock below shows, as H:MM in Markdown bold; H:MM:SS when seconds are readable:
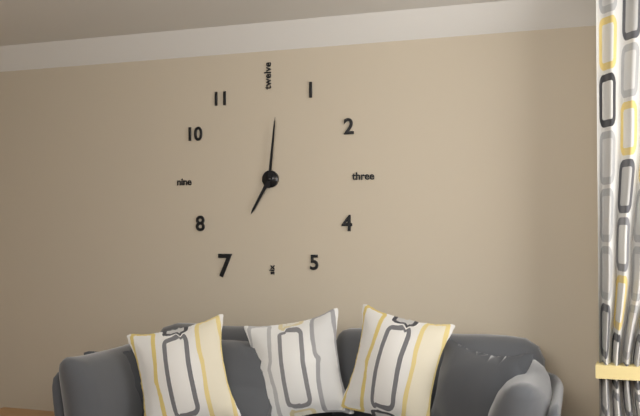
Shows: **7:01**
